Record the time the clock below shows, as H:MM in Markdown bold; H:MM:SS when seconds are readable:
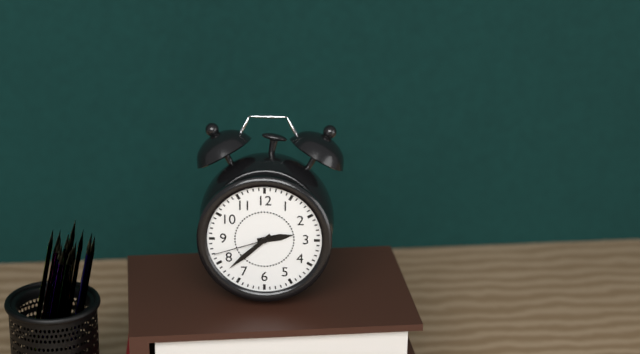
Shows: **2:38:42**
